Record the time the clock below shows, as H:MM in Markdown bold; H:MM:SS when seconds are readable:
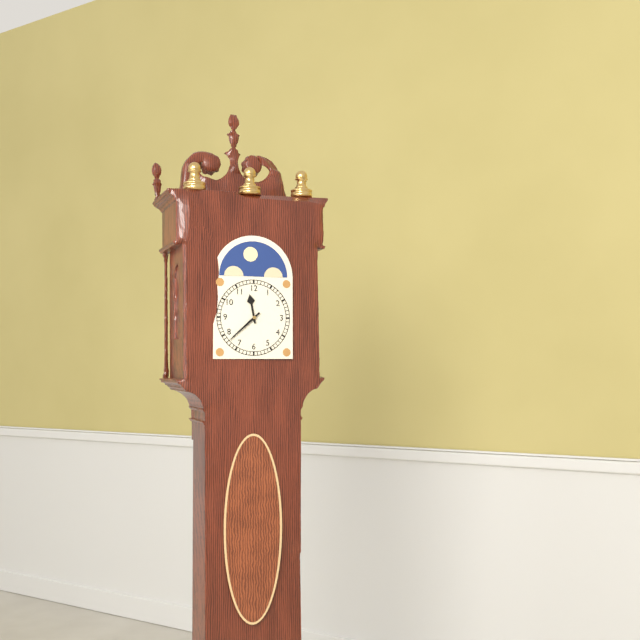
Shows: **11:38**
